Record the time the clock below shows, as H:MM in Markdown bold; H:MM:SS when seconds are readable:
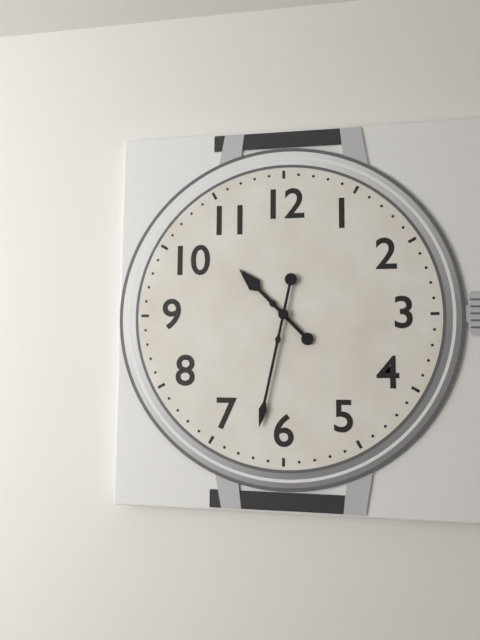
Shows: **10:32**
